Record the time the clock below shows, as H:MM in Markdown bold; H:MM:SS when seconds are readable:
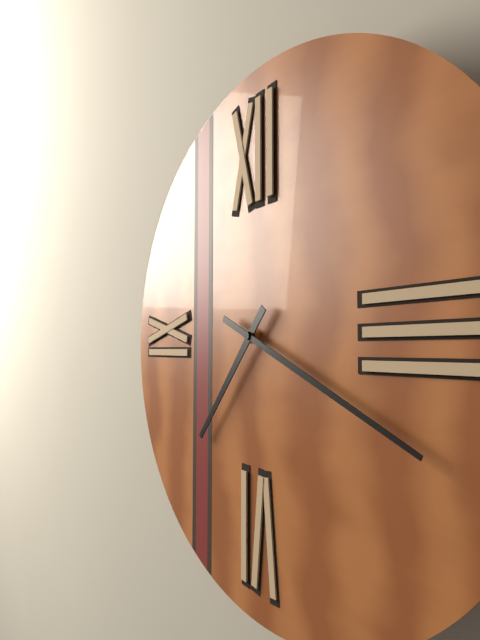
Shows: **7:19**
